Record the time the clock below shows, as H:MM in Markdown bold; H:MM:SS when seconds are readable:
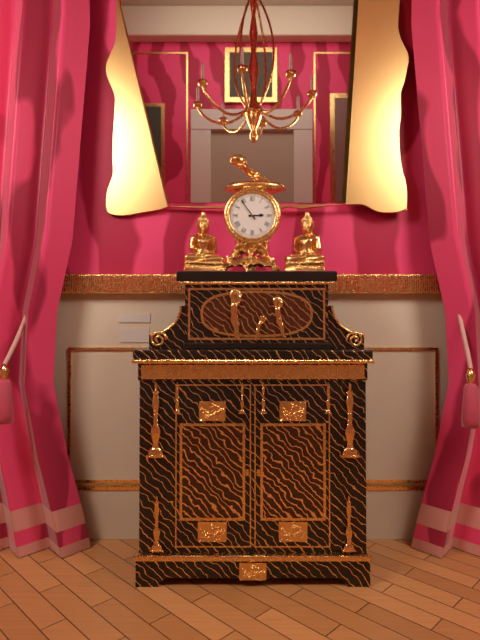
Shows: **2:54**
